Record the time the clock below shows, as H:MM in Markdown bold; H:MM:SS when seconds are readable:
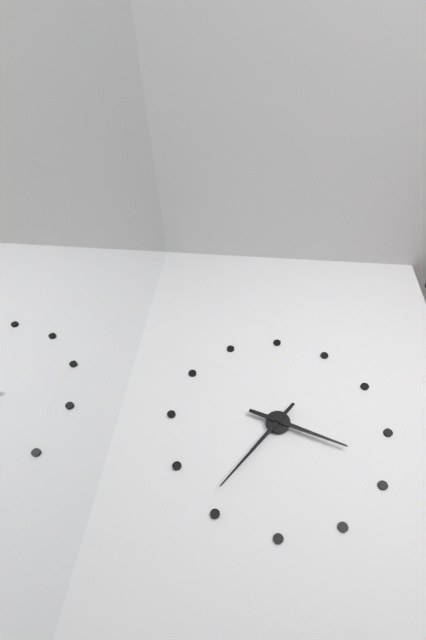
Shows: **3:36**
